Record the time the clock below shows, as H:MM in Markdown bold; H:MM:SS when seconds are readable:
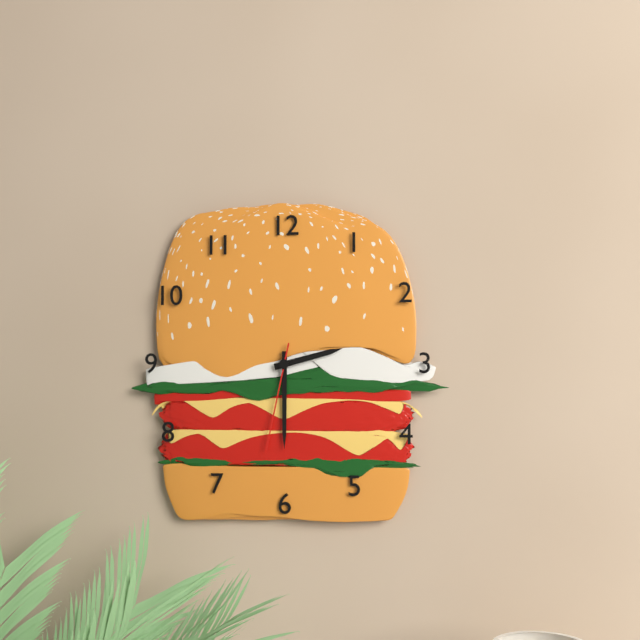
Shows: **2:30:32**
